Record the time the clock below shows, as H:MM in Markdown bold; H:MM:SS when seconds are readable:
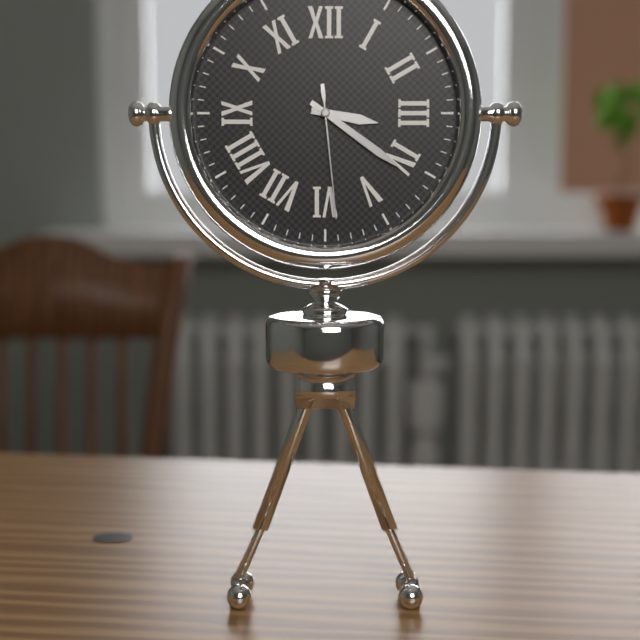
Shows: **3:21:29**
